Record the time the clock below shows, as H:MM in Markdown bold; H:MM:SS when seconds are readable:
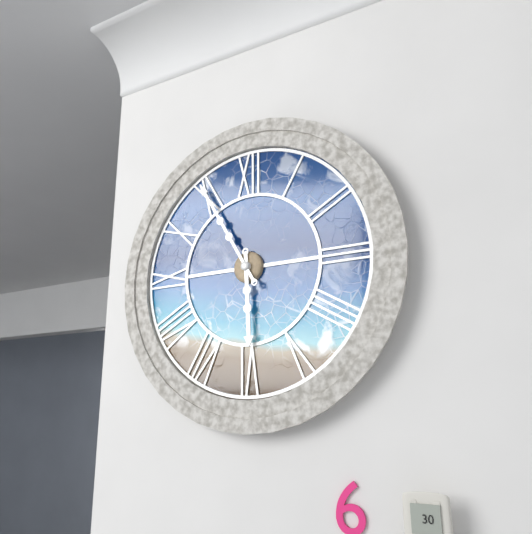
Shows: **5:55**
